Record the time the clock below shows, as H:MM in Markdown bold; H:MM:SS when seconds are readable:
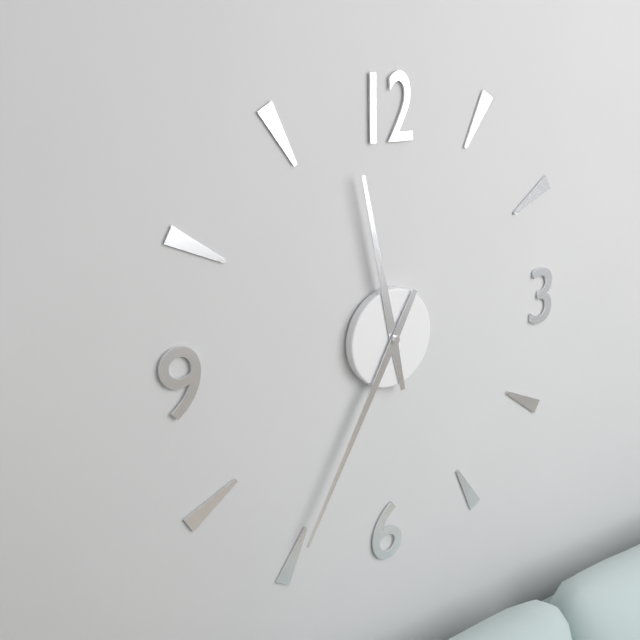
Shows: **11:35**
